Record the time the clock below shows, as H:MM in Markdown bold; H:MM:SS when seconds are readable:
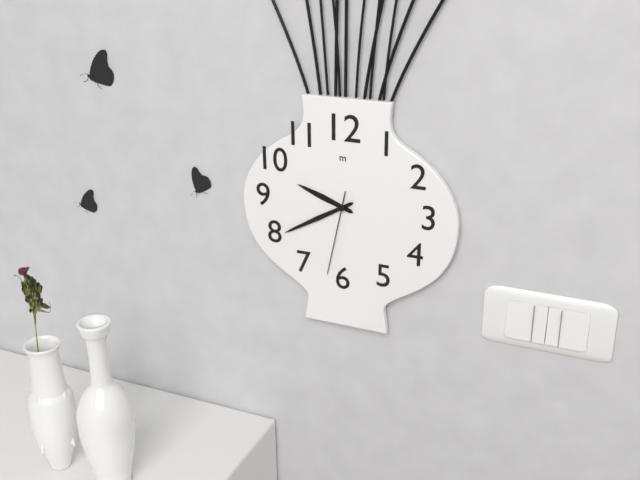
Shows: **9:40:32**
